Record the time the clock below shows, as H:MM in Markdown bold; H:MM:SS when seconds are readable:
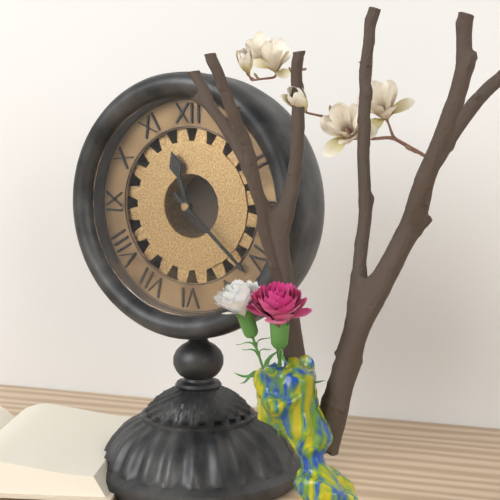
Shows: **11:22**
